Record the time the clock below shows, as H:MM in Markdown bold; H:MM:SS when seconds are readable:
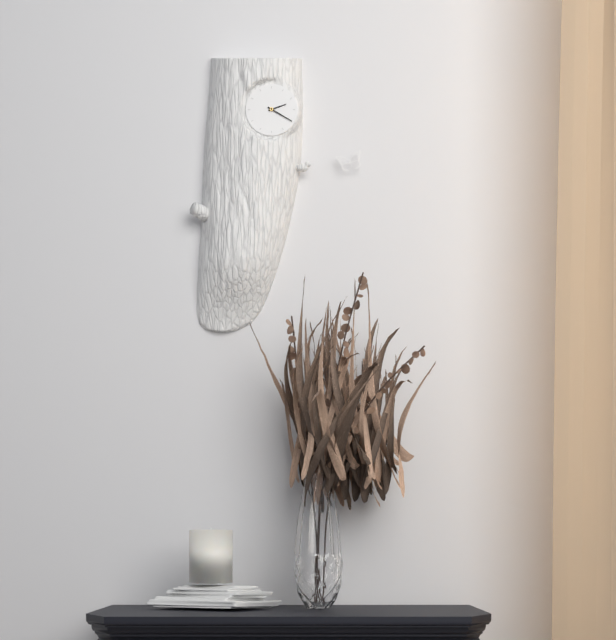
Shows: **2:20**
